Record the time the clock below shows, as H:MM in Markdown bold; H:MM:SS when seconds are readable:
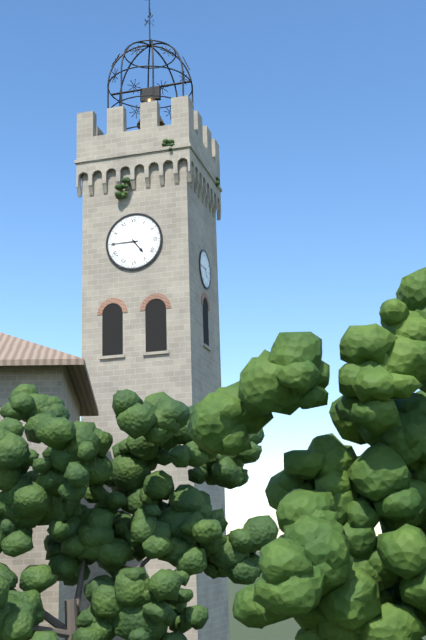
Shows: **4:45**
